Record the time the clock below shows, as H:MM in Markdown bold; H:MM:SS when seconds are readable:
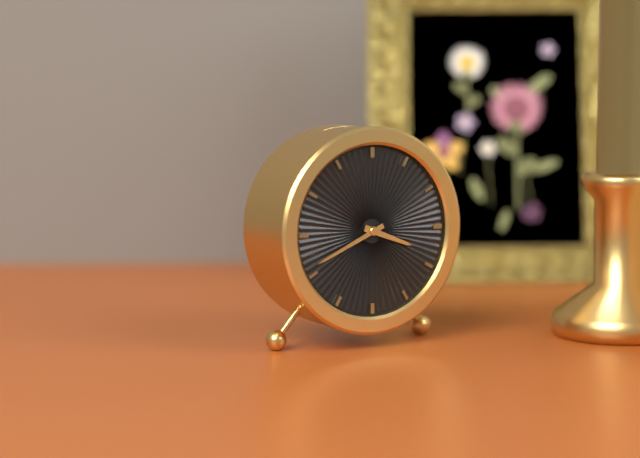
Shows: **3:41**
